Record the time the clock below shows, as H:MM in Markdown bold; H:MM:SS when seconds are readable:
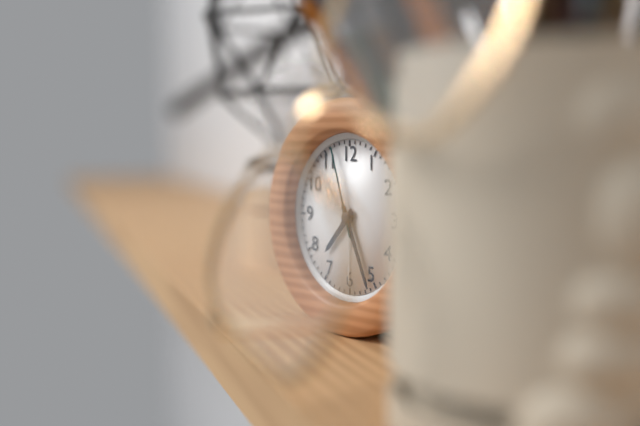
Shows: **7:26:57**
